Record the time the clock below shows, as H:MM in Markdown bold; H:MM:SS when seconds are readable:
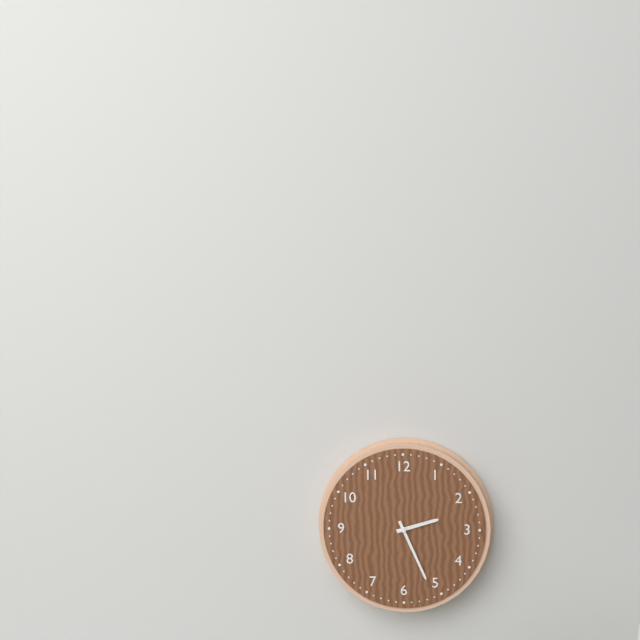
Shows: **2:26**
